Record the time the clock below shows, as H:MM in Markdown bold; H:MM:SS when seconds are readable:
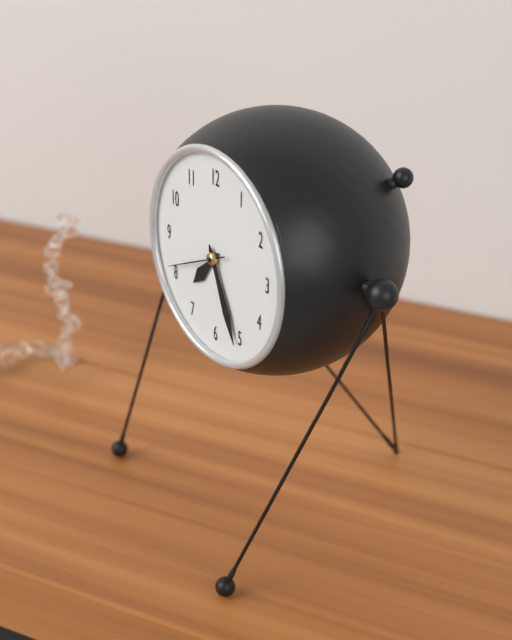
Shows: **7:26:41**
